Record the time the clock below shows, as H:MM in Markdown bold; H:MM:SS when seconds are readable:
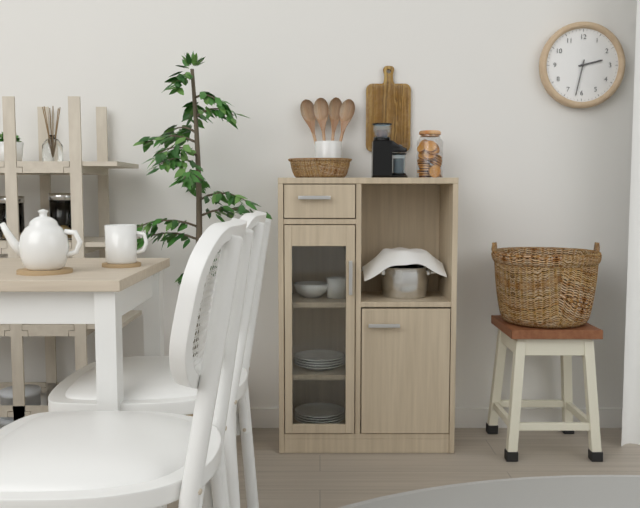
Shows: **2:32**
